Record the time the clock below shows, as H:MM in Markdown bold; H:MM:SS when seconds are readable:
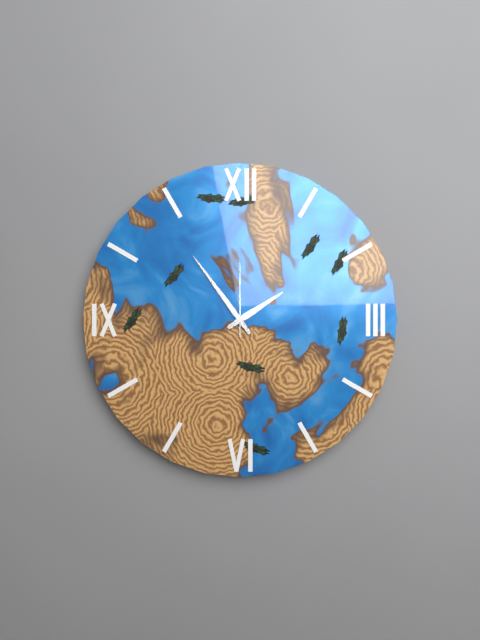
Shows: **1:54:00**
